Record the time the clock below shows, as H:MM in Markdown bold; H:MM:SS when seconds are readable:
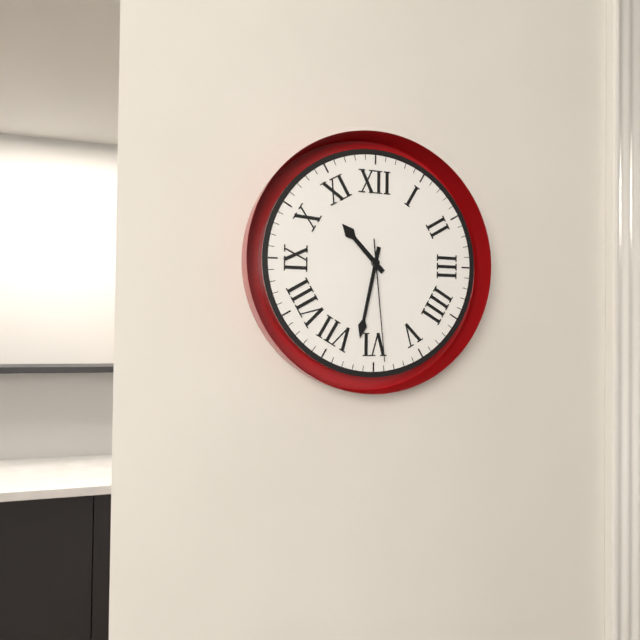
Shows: **10:32:29**
